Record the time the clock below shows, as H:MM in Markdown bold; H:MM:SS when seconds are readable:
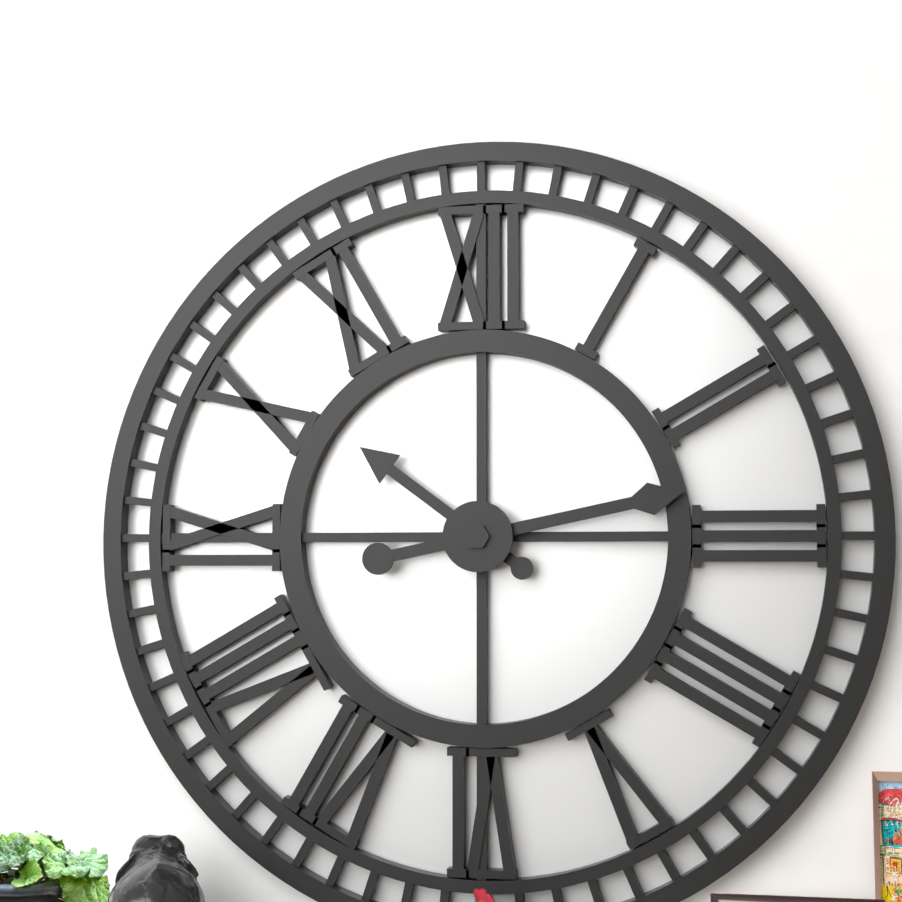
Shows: **10:13**
